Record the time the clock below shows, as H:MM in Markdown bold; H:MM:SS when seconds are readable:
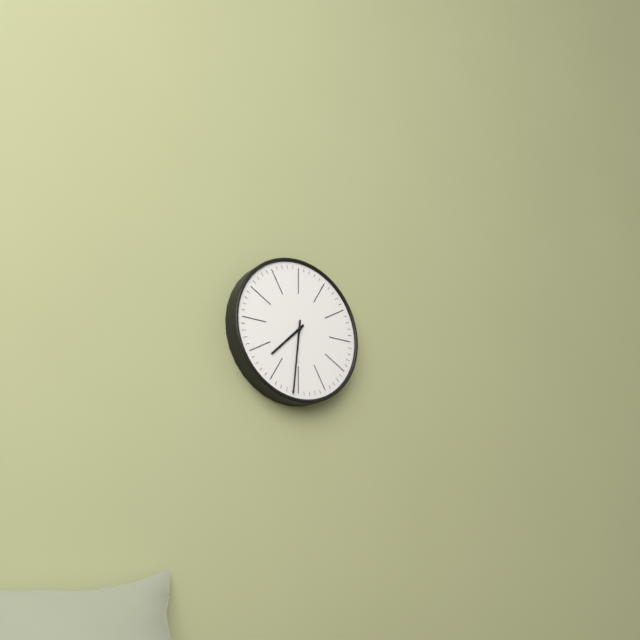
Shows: **7:31**
